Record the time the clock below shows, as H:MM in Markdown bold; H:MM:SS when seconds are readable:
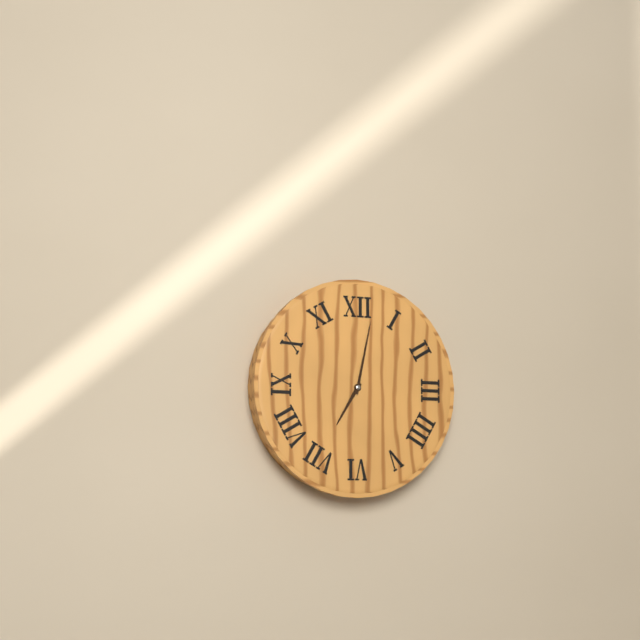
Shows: **7:02**
